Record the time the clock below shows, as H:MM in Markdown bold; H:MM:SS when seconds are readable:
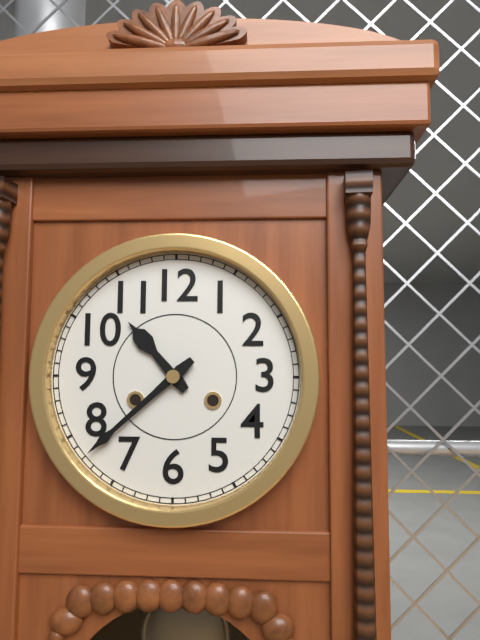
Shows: **10:38**
